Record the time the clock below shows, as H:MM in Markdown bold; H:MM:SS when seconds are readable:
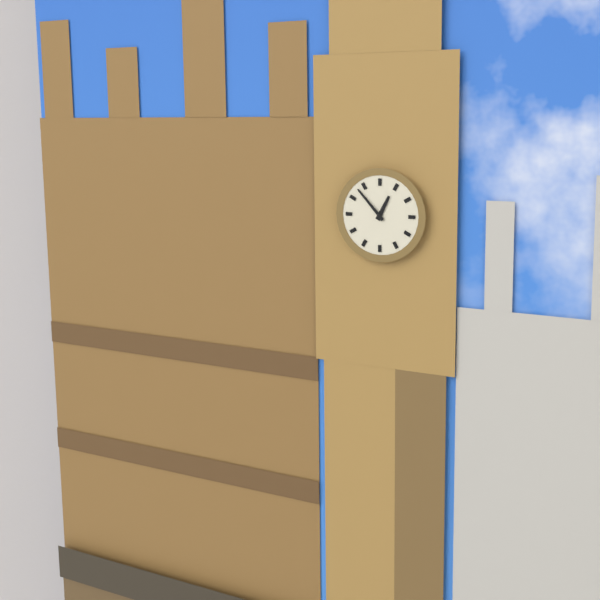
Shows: **12:53**
